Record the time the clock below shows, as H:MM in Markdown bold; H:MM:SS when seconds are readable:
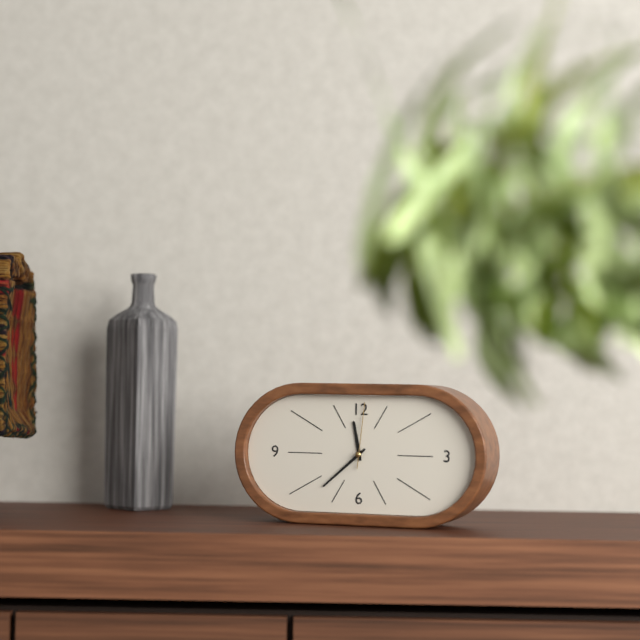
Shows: **11:38:01**
